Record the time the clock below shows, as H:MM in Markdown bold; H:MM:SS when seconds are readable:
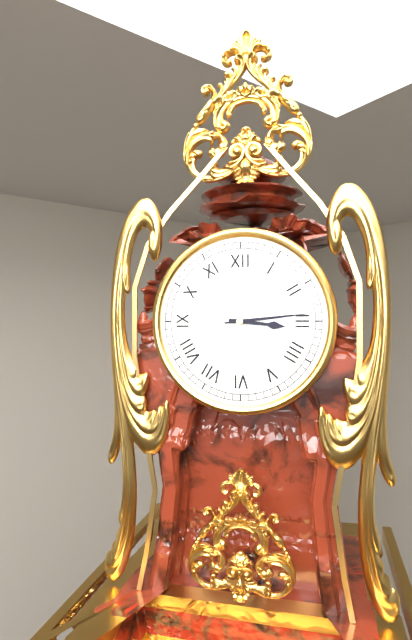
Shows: **3:14**
